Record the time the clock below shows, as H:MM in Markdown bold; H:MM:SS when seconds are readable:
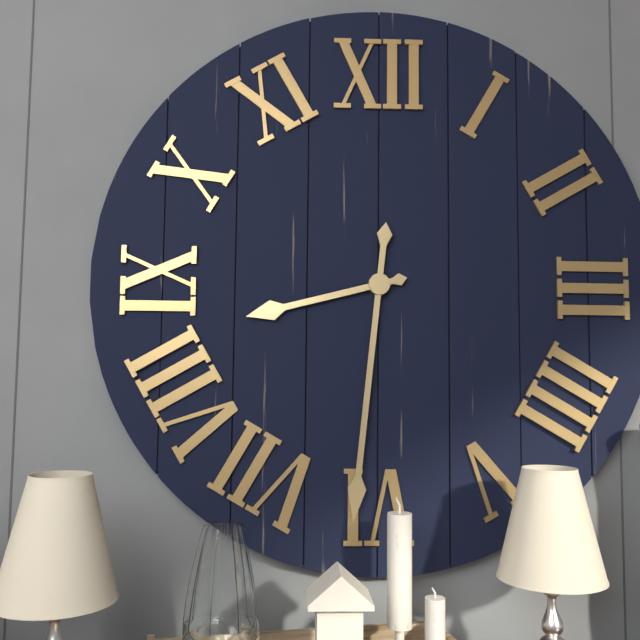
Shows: **8:31**
